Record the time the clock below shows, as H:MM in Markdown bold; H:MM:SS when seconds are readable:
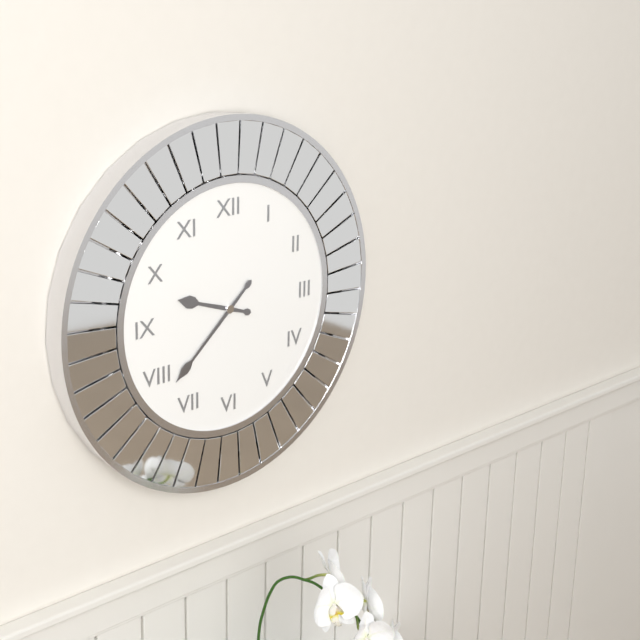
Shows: **9:38**
